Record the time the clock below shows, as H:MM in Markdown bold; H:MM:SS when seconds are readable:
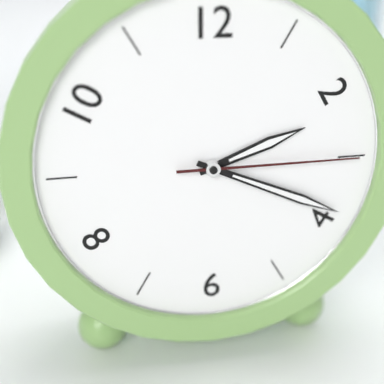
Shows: **2:19:15**
